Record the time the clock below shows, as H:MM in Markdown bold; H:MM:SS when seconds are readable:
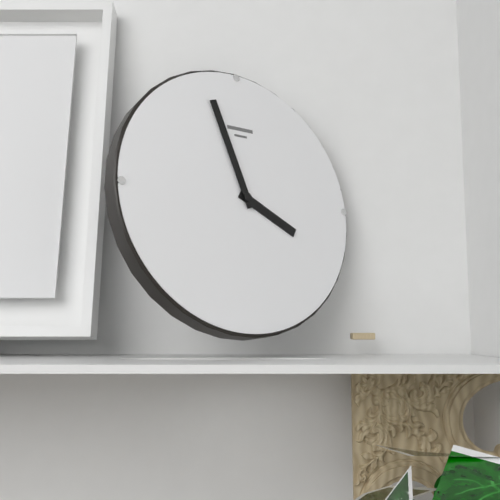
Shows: **3:57**
